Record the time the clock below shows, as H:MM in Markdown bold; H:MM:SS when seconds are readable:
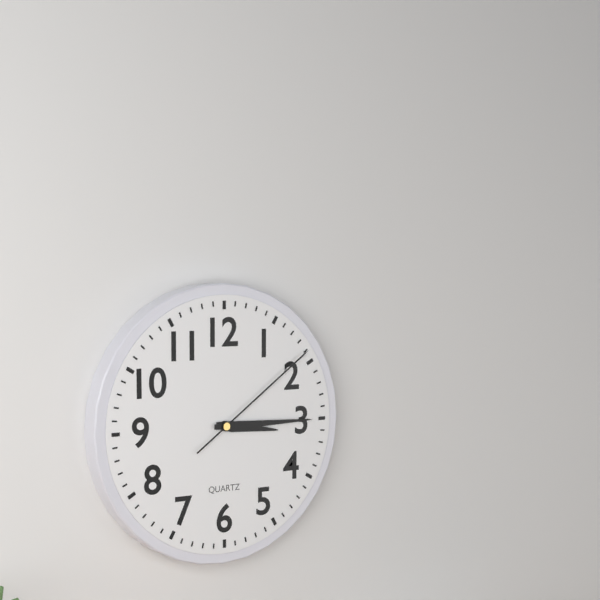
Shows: **3:15:09**
